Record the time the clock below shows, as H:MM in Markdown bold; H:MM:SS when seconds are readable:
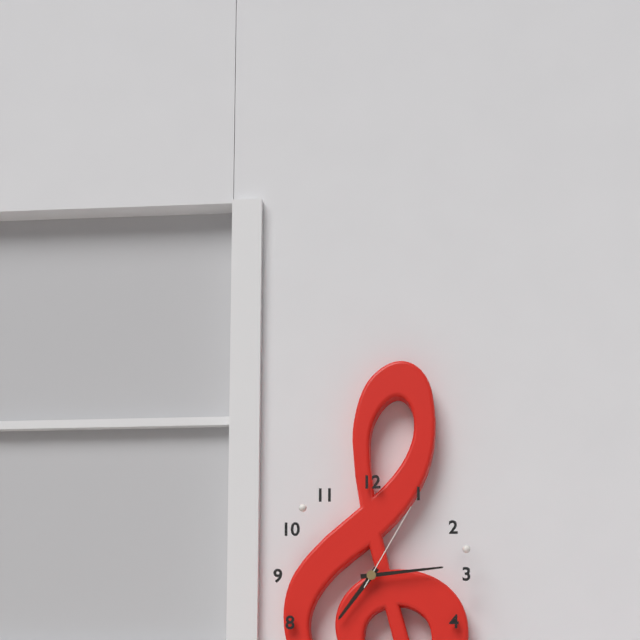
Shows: **7:14:05**
